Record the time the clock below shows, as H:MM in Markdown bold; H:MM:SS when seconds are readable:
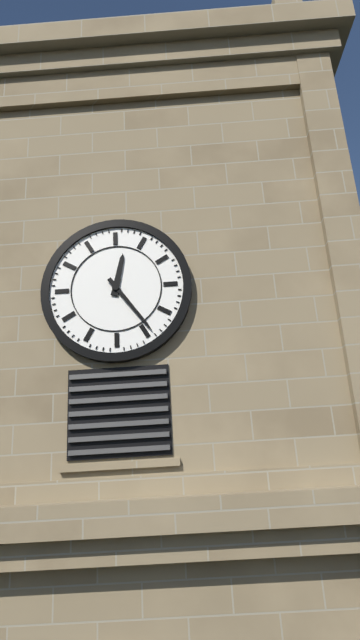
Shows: **12:24**
